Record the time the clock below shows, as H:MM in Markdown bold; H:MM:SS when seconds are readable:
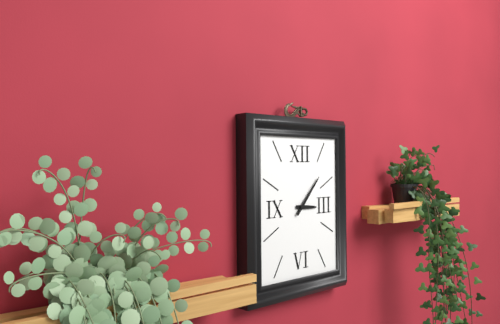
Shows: **3:07**
